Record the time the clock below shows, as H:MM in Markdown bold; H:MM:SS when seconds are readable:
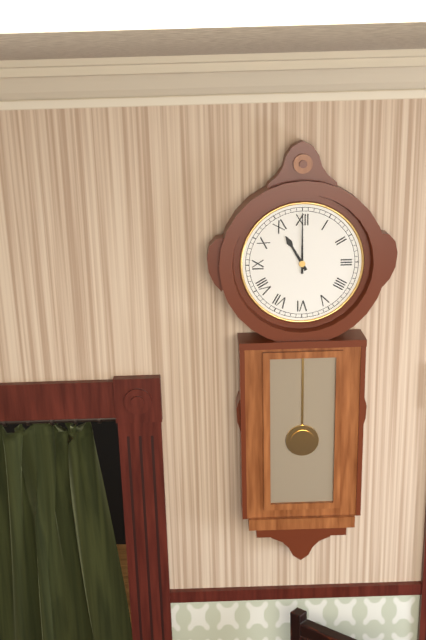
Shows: **11:00**
